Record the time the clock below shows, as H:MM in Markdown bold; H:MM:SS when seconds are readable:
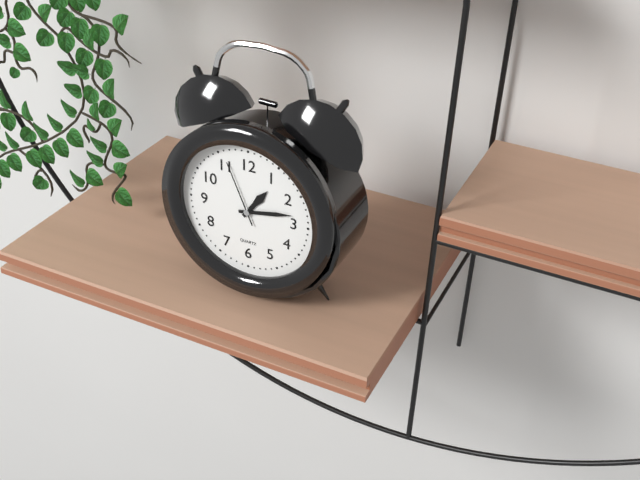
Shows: **1:13:56**
